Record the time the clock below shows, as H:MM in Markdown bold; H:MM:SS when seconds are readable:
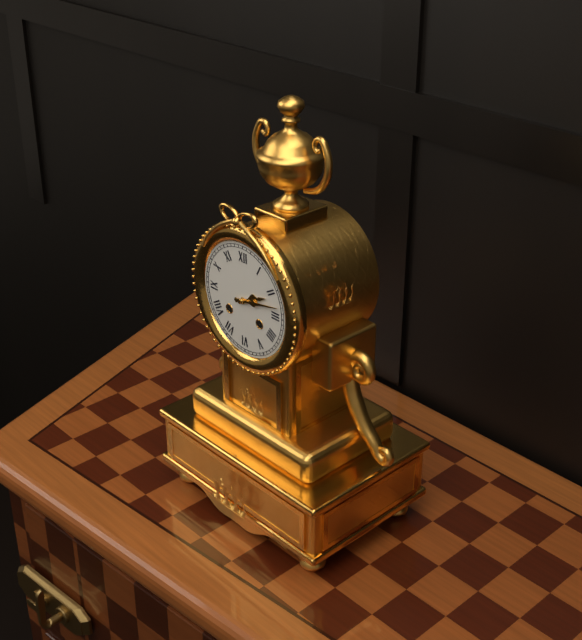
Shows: **2:13**
